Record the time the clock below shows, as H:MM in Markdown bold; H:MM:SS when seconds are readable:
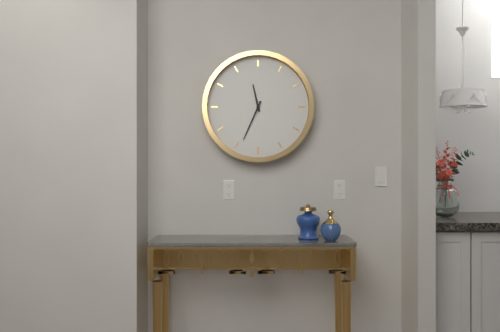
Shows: **11:34**
